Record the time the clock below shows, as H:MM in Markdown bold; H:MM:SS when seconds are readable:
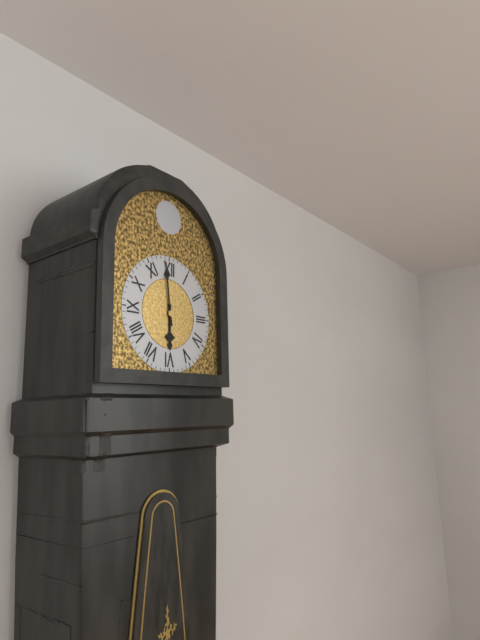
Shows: **5:59**
